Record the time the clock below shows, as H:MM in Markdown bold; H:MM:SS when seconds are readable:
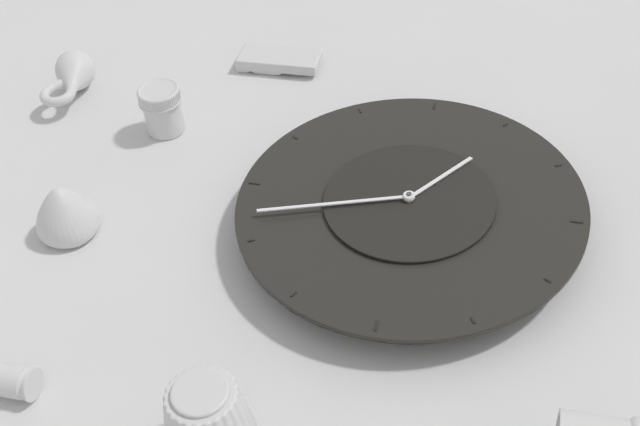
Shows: **7:12**
